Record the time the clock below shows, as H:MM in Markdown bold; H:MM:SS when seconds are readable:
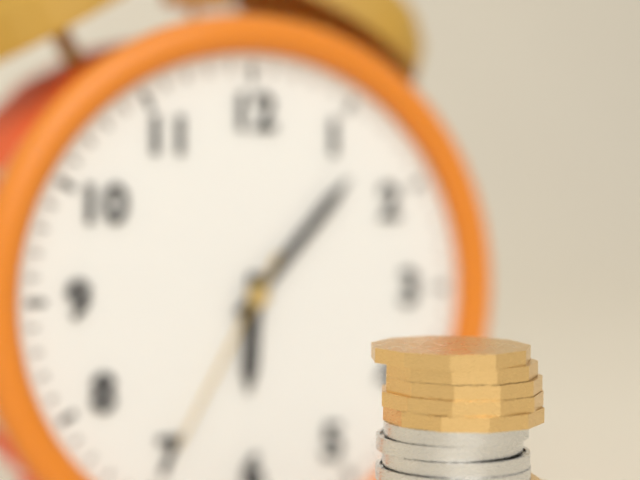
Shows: **6:07:35**
